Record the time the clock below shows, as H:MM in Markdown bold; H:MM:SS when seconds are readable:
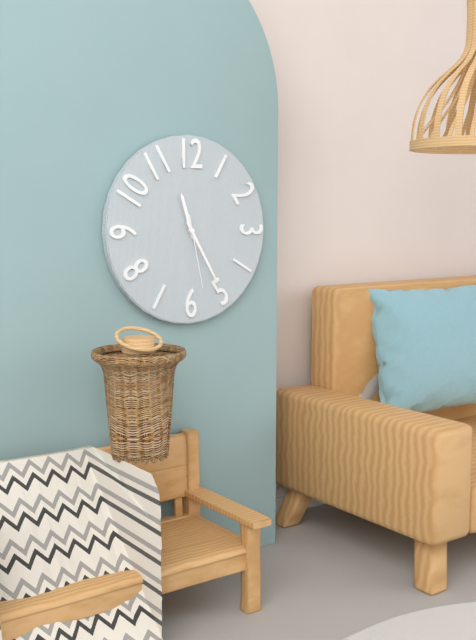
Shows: **11:25:28**
